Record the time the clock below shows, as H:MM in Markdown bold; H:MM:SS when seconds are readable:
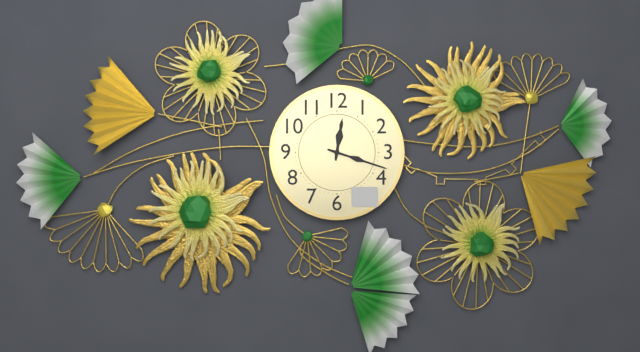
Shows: **12:18**
